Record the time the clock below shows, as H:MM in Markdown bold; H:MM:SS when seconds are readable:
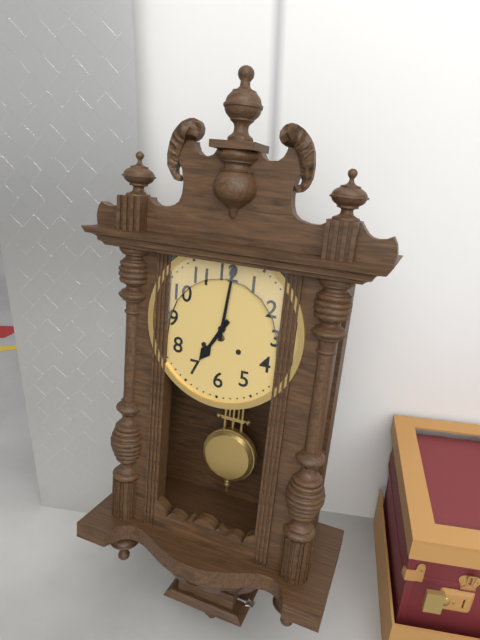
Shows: **7:01**
